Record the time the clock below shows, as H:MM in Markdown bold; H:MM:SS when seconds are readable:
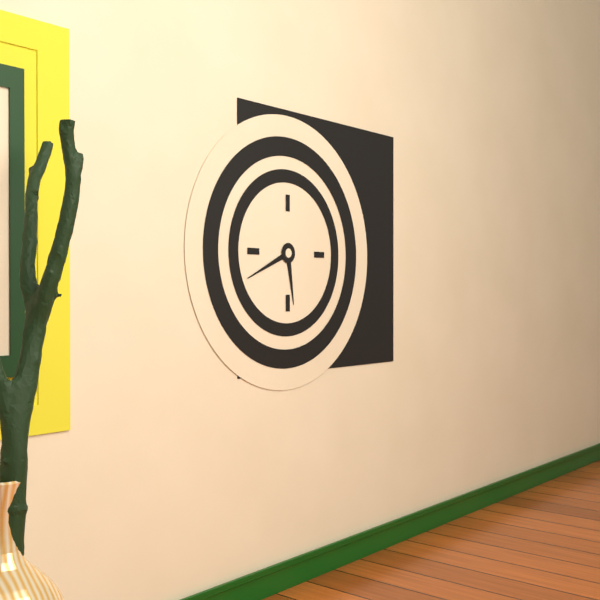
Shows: **5:41**
